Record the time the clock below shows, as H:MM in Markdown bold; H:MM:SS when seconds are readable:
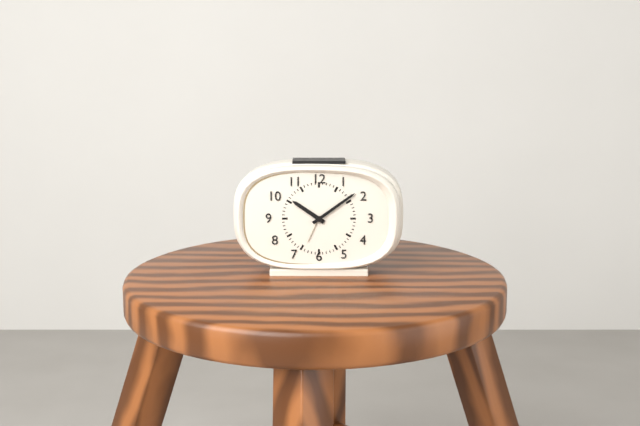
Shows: **10:09**
